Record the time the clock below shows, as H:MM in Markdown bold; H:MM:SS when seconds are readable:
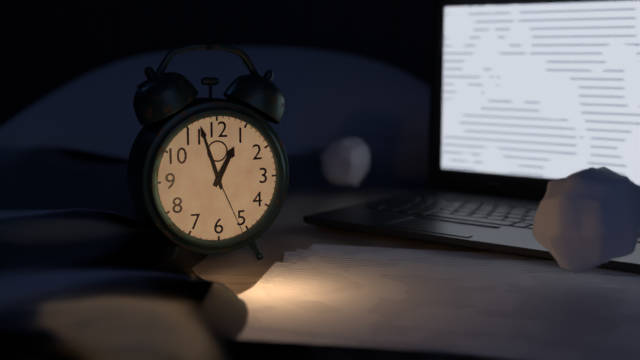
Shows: **12:57:26**
